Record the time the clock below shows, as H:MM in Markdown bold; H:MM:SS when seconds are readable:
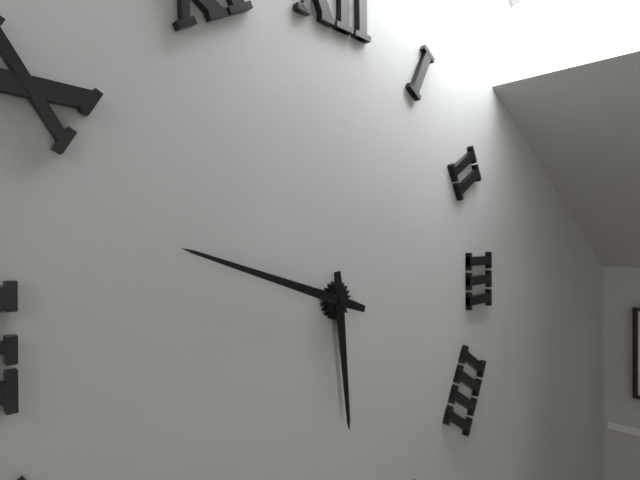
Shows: **5:48**
